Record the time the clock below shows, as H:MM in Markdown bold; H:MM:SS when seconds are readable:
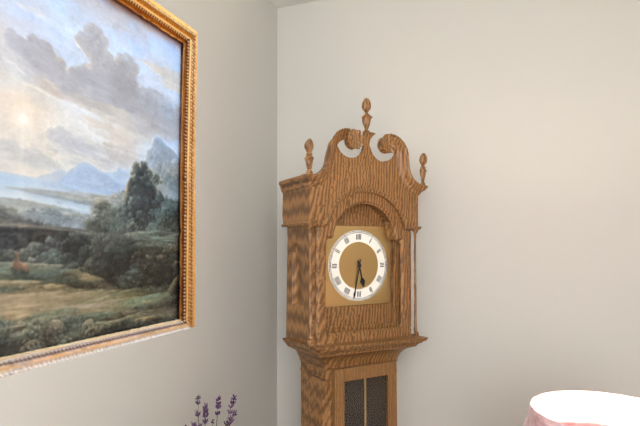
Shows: **5:32**
